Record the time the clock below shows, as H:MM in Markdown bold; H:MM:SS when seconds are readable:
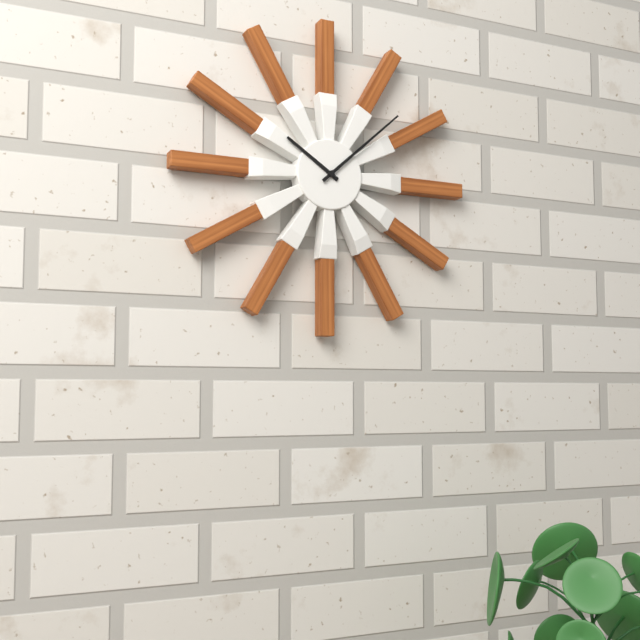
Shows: **10:08**
